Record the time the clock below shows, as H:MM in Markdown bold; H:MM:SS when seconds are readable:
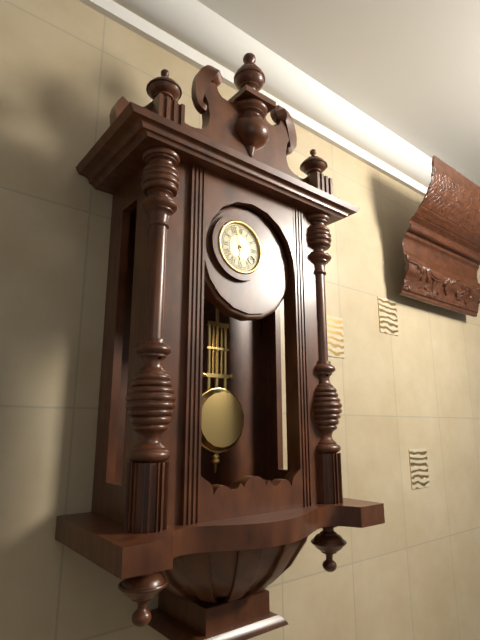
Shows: **5:58**
